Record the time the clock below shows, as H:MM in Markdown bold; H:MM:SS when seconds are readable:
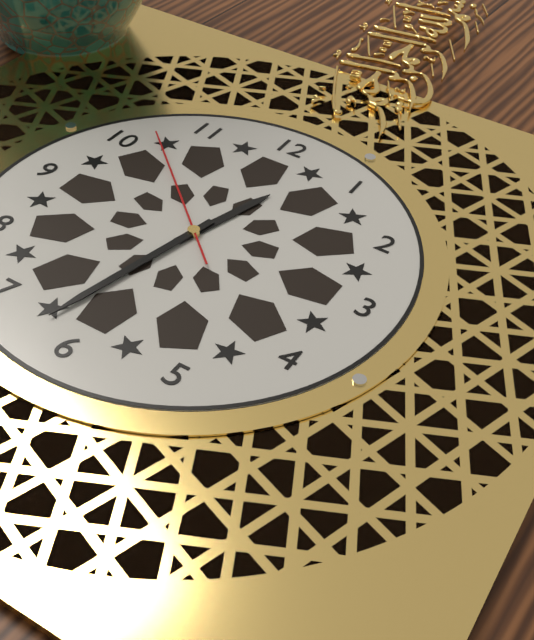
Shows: **12:32:52**
